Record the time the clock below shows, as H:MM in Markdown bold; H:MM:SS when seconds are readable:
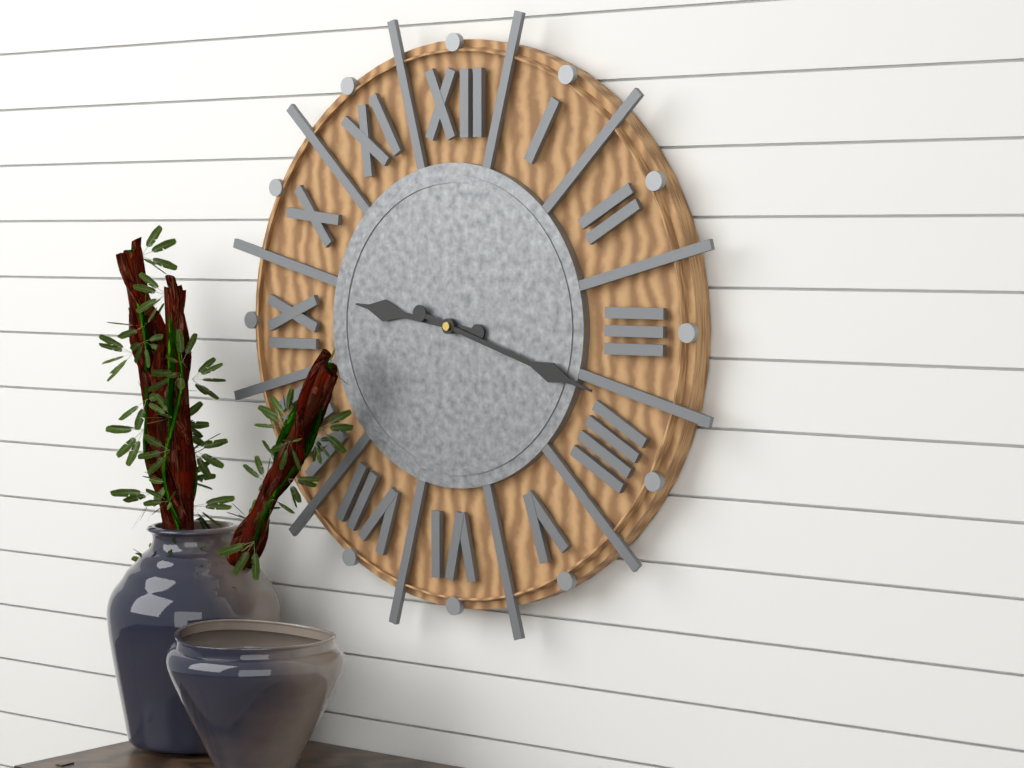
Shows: **9:18**
